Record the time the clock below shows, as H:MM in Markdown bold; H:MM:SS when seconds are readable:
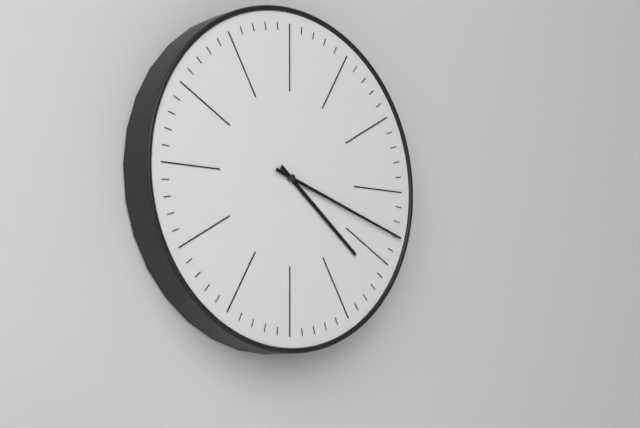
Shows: **4:18**
